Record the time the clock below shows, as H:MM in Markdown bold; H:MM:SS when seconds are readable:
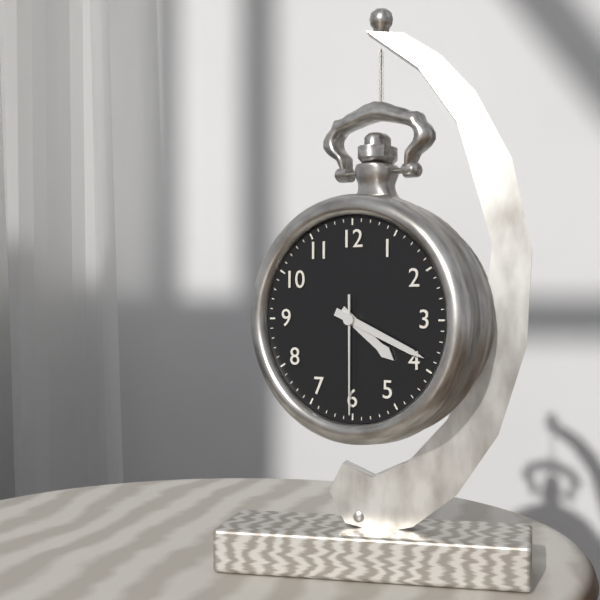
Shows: **4:19:30**
